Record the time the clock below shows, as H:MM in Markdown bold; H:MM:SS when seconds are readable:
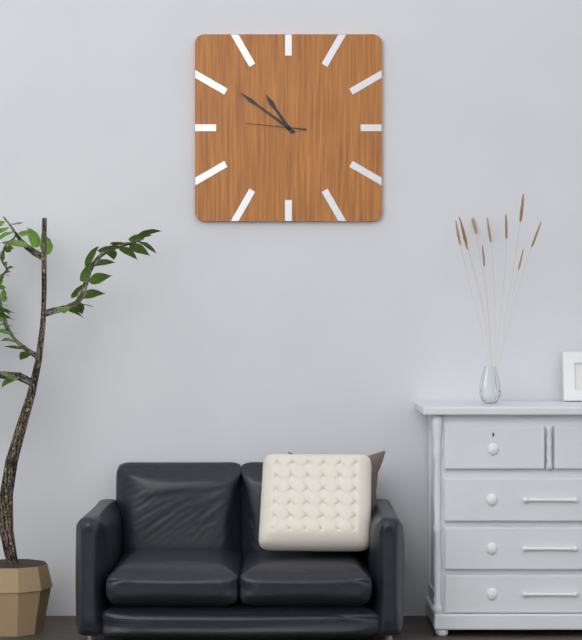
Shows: **10:51:46**
